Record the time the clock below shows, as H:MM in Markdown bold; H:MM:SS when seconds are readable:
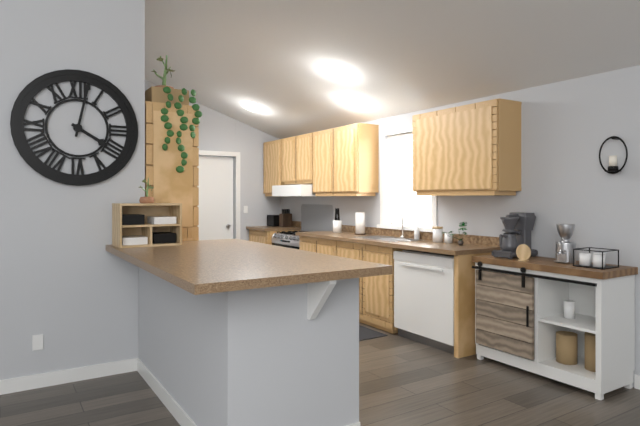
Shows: **4:02**
